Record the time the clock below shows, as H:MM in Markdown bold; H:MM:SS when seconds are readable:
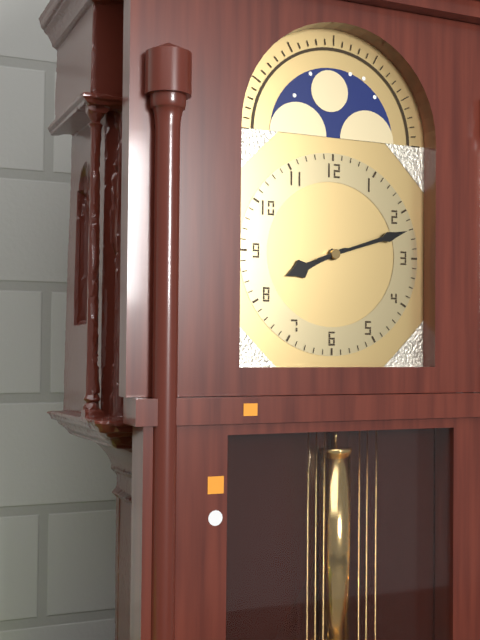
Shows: **8:12**
